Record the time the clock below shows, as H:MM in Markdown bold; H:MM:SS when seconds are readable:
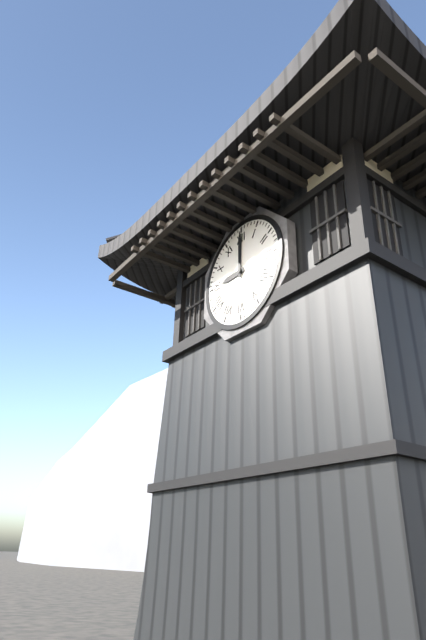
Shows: **9:00**
